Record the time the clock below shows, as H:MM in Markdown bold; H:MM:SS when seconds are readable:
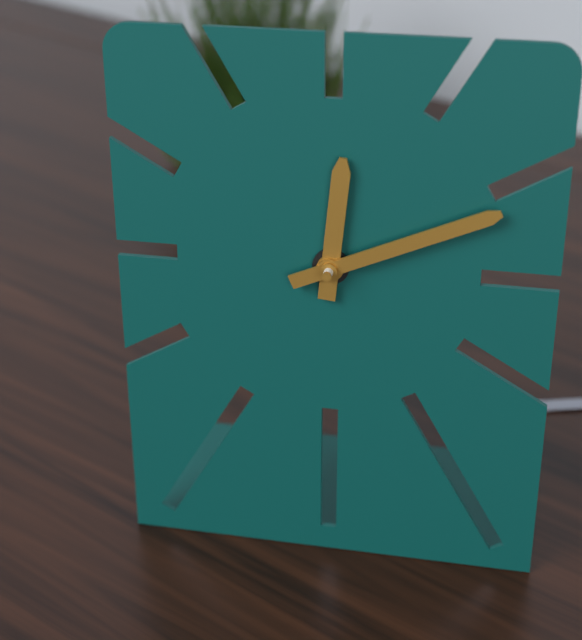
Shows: **12:11**
